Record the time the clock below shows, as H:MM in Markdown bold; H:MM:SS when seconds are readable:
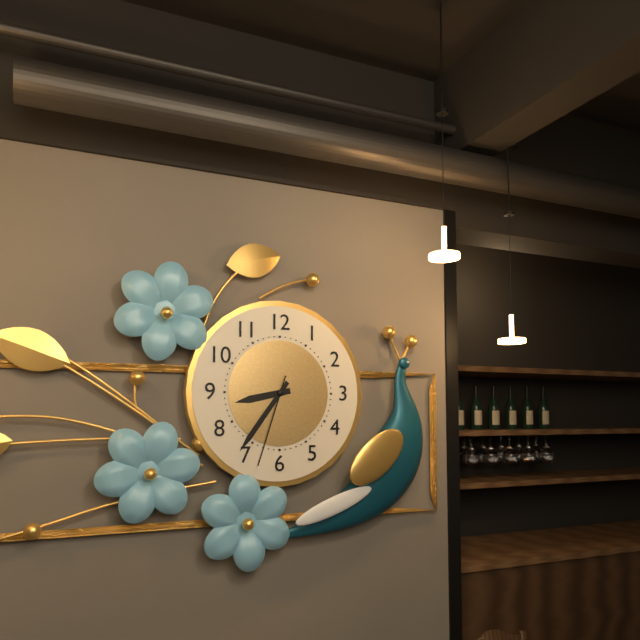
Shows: **8:36:33**
